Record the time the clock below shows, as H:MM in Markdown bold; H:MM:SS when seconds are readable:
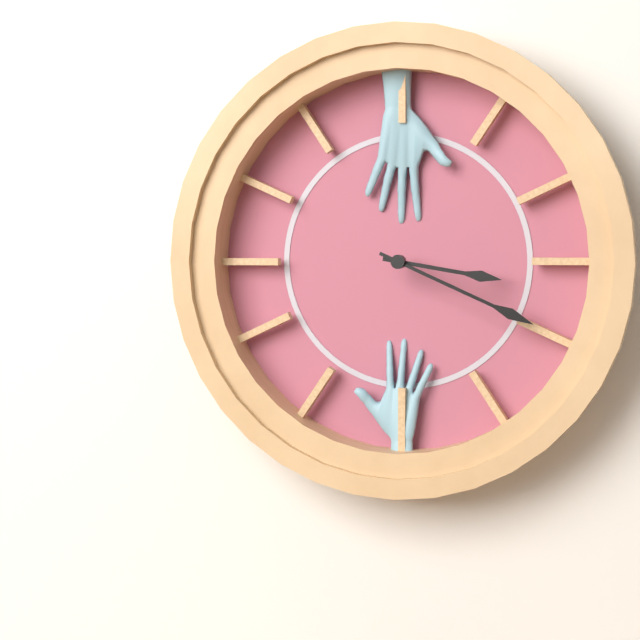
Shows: **3:19**
